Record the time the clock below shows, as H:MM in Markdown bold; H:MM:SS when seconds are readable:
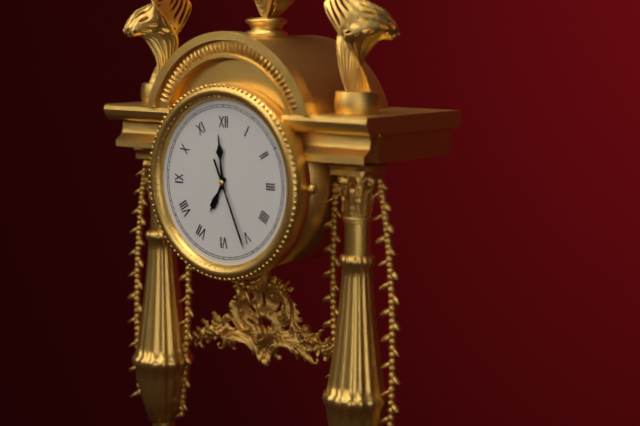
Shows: **6:59:26**
